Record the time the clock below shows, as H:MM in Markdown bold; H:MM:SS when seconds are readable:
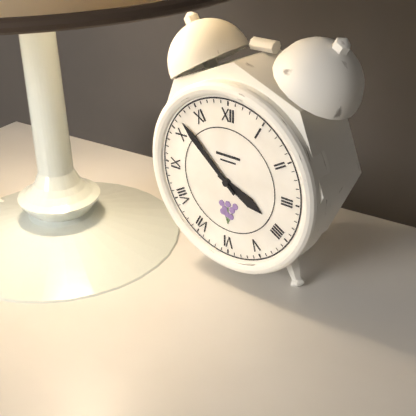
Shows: **3:52**
